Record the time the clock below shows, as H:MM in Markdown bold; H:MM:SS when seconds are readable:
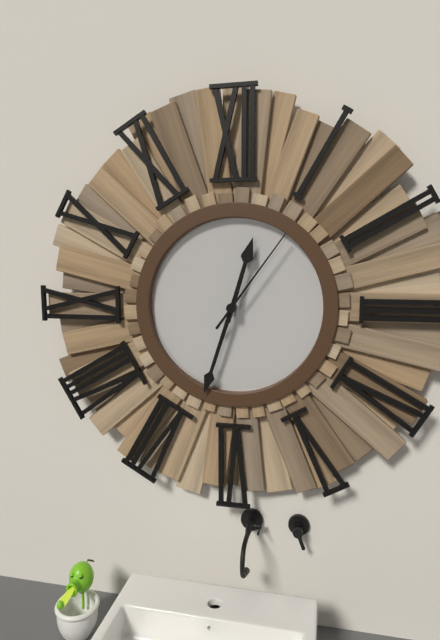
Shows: **12:33:06**
